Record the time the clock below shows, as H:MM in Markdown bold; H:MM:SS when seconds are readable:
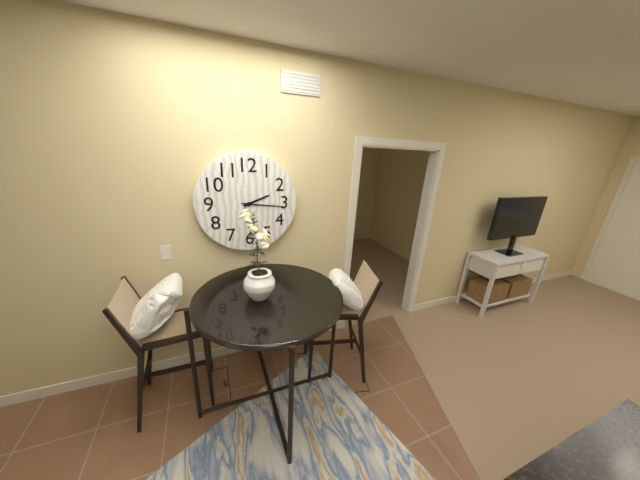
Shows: **2:16**
